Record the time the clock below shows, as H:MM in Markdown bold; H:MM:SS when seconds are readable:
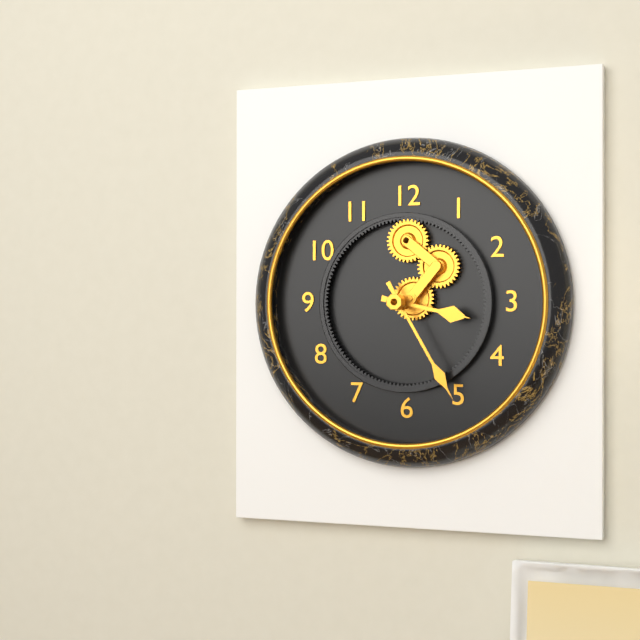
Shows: **3:25**
